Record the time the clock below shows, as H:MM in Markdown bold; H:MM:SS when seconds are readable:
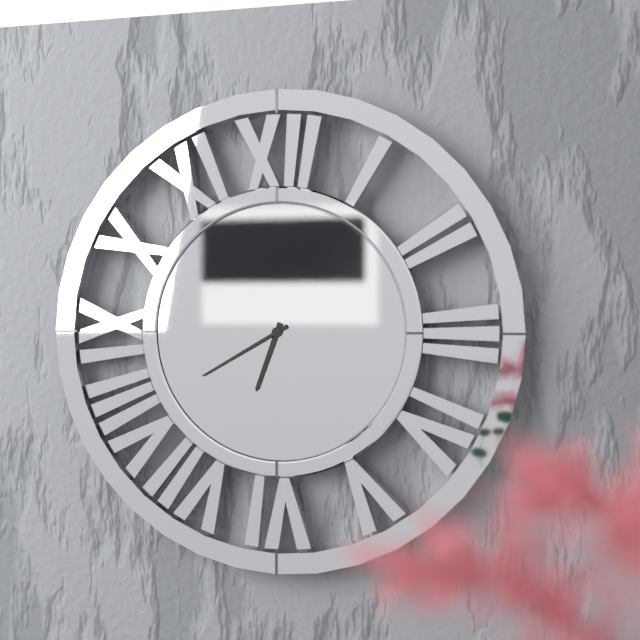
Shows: **6:40**
